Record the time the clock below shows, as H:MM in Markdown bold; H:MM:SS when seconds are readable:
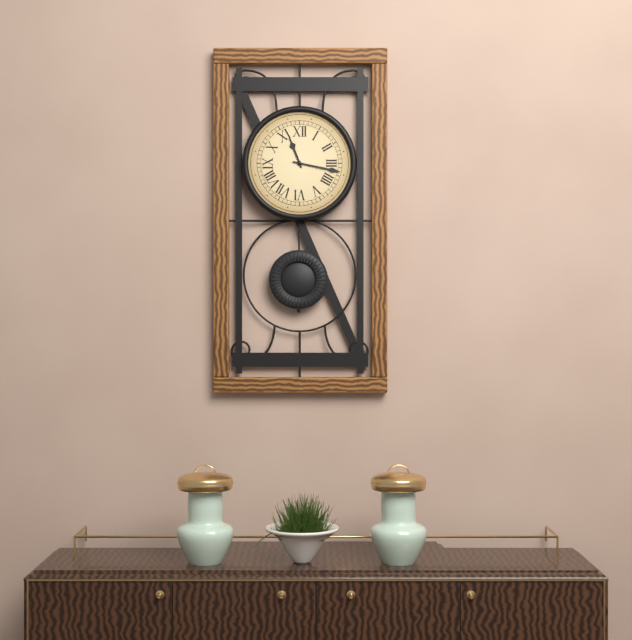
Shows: **11:17**
